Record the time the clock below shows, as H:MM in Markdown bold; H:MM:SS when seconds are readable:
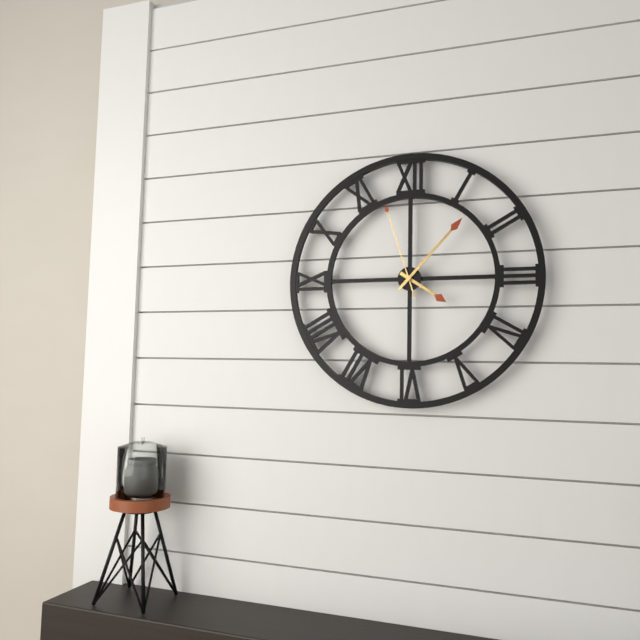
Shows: **4:07:57**
